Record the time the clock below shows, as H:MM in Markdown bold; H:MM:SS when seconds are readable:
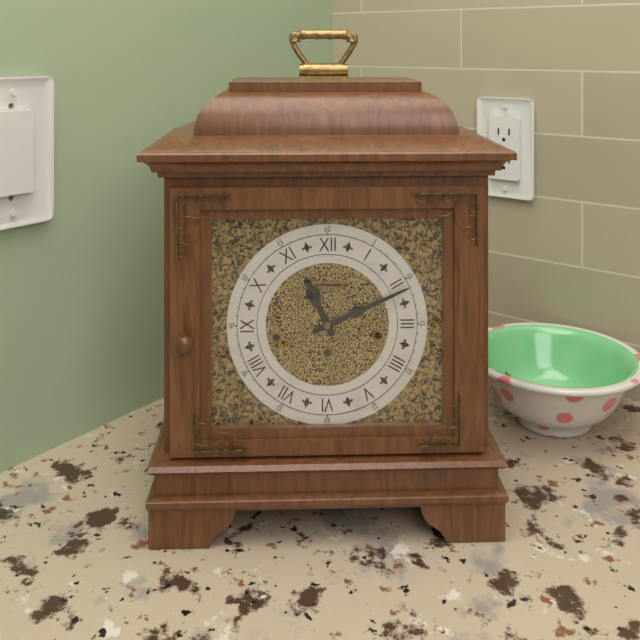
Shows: **11:11**
